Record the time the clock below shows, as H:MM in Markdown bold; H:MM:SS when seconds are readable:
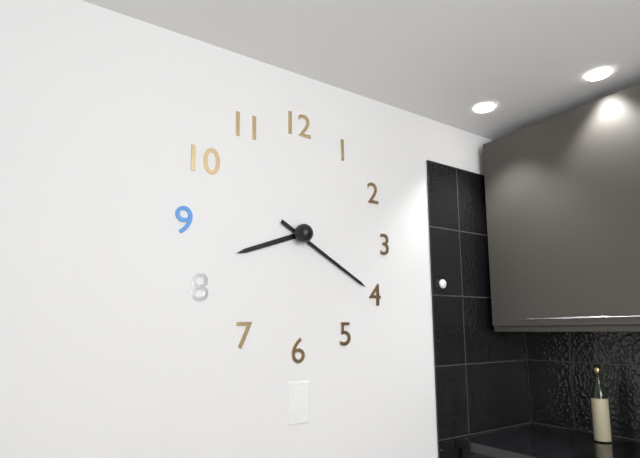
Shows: **8:20**
